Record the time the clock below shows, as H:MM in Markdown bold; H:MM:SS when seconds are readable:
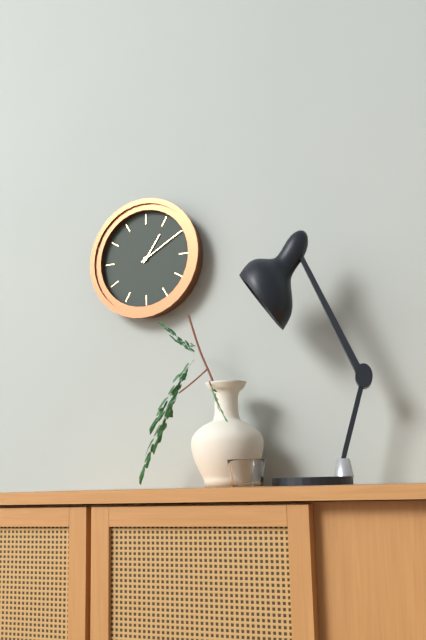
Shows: **1:10**
